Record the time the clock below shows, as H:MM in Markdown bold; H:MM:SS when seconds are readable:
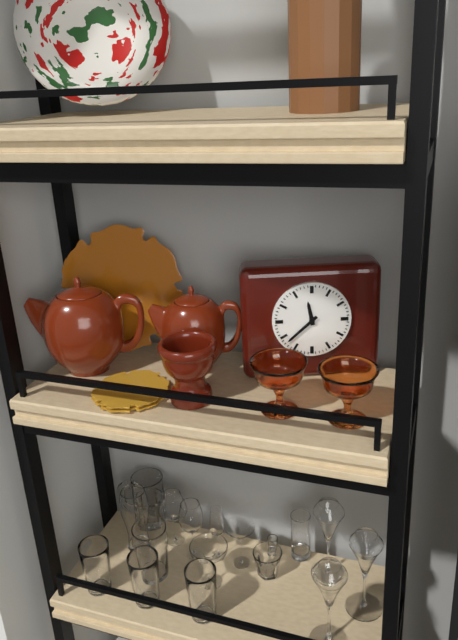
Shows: **11:38**
